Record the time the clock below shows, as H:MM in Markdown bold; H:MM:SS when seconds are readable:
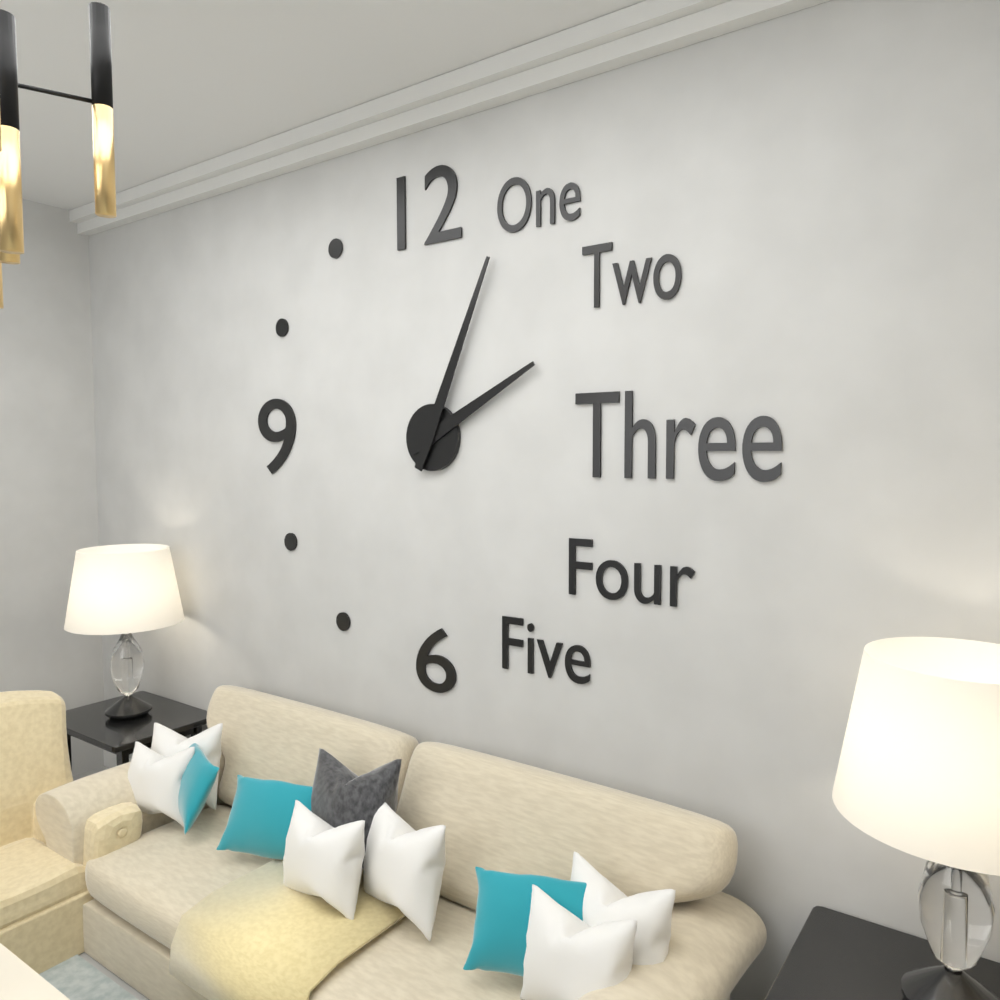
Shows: **2:04**
